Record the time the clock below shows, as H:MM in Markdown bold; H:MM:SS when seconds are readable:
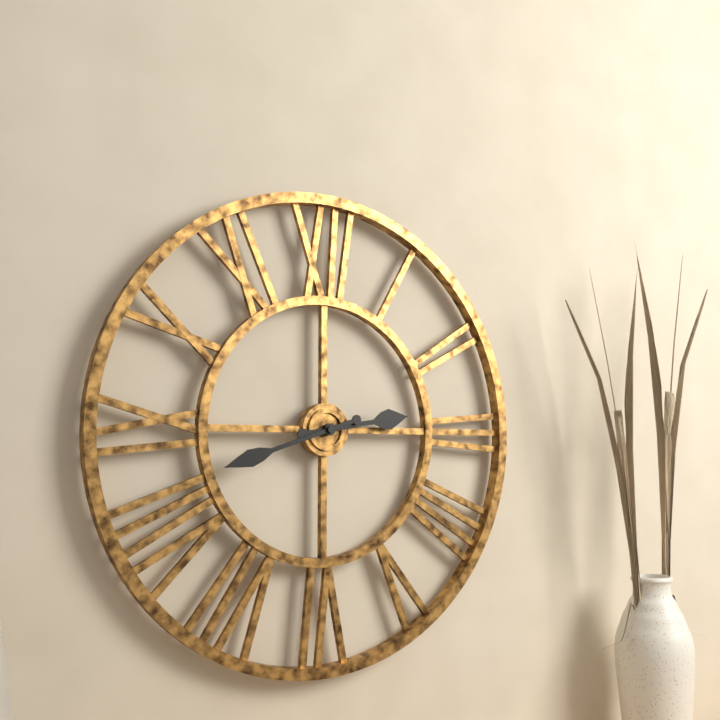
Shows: **2:42**
